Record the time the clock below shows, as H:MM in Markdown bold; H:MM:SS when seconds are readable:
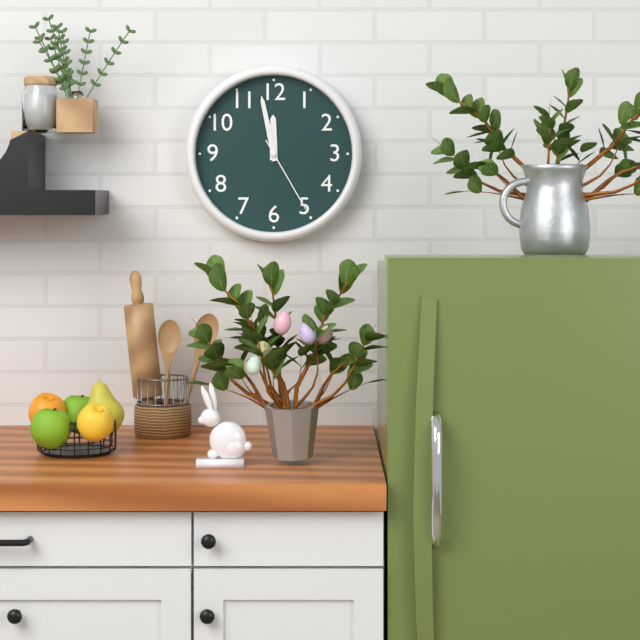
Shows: **11:58:25**
